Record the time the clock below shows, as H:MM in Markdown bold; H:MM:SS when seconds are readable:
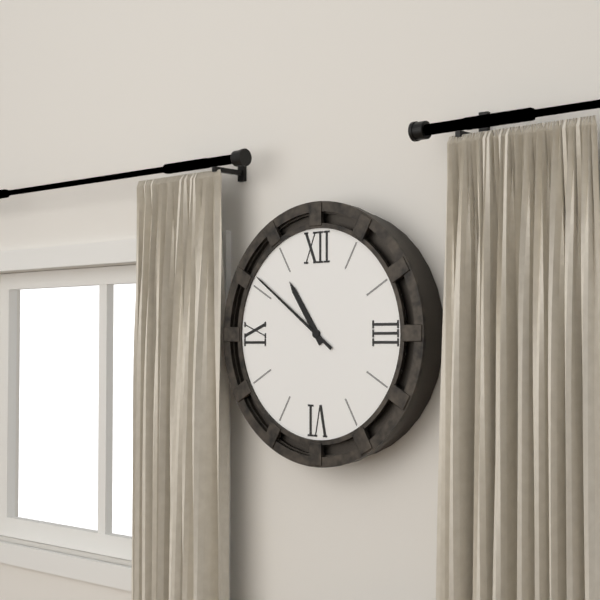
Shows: **10:51**
